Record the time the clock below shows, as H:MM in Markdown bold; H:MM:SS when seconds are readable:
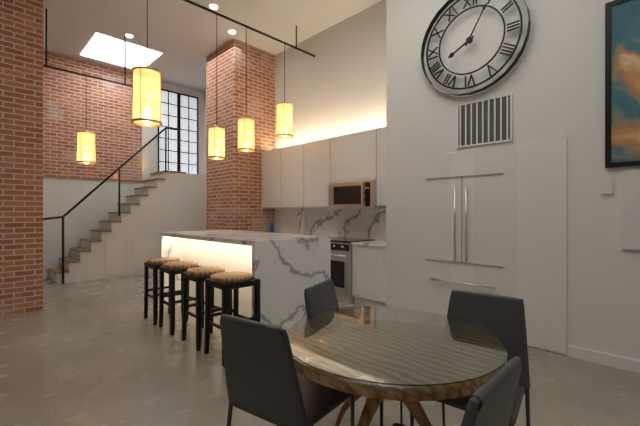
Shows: **8:05**
